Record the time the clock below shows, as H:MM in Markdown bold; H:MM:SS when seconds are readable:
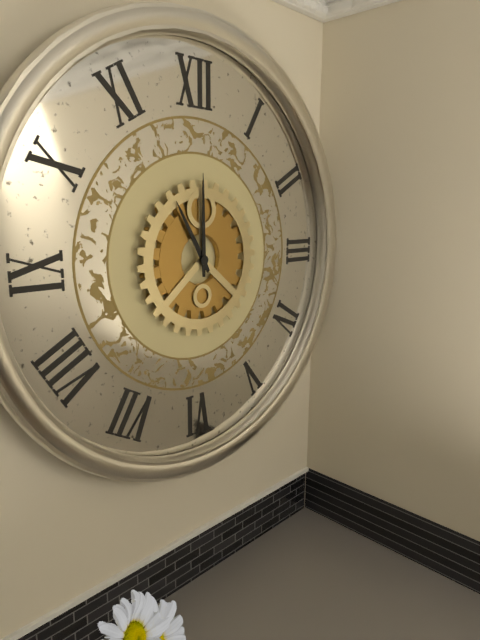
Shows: **11:00**
